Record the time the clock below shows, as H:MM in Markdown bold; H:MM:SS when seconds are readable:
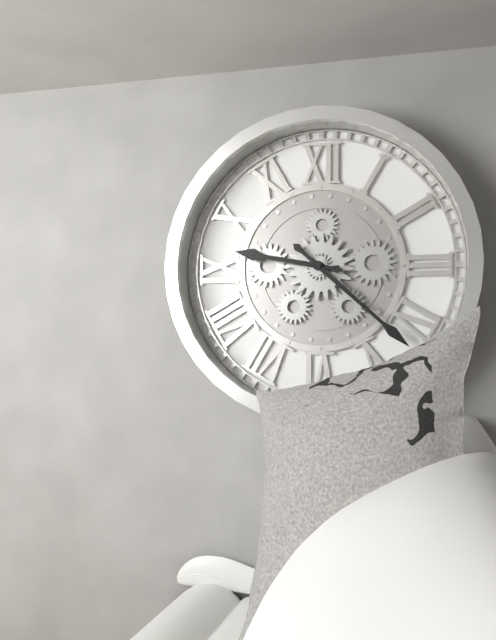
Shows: **9:22**
